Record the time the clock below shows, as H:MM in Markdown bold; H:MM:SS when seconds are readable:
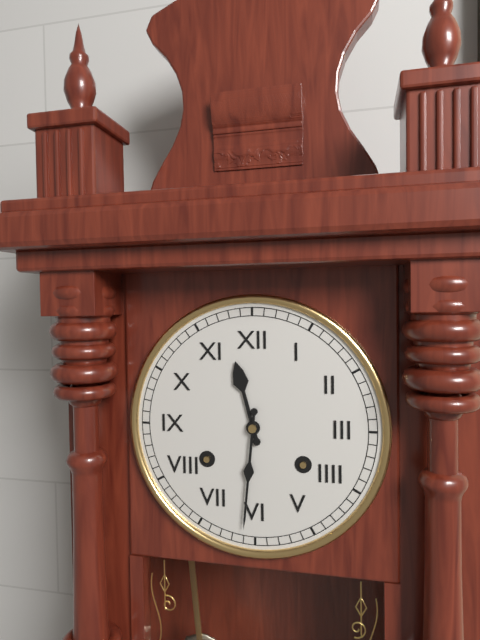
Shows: **11:31**
